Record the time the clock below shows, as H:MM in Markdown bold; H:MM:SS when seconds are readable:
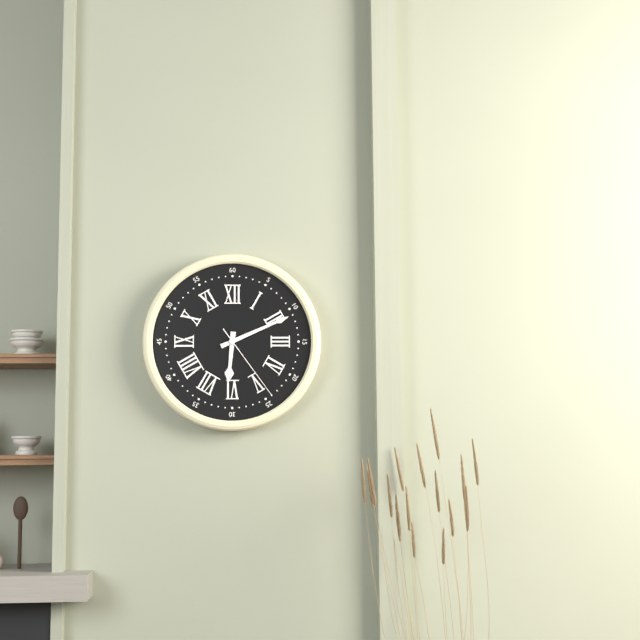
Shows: **6:11:24**
